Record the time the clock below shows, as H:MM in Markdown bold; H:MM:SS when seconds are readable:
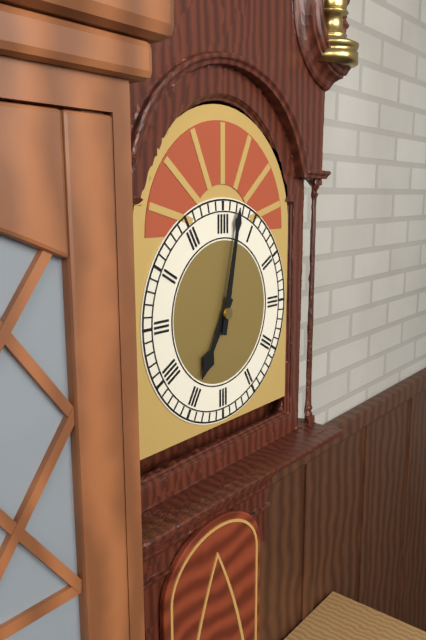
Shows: **7:02**
